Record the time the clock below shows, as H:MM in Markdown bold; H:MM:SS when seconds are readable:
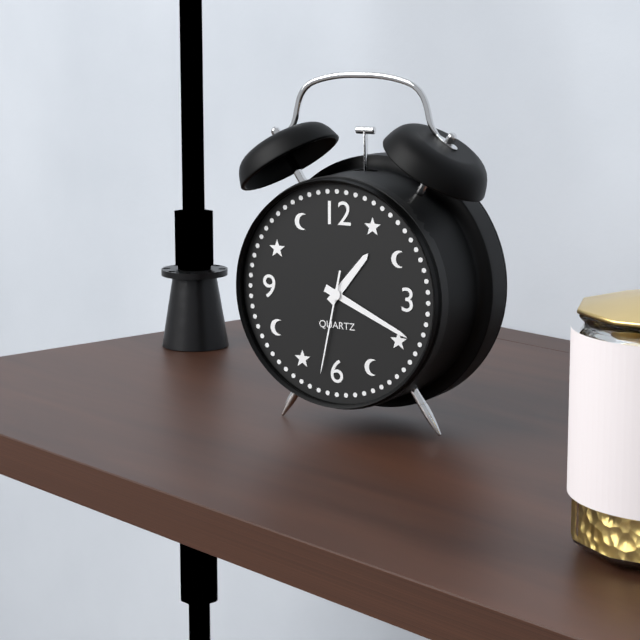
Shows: **1:19:32**
